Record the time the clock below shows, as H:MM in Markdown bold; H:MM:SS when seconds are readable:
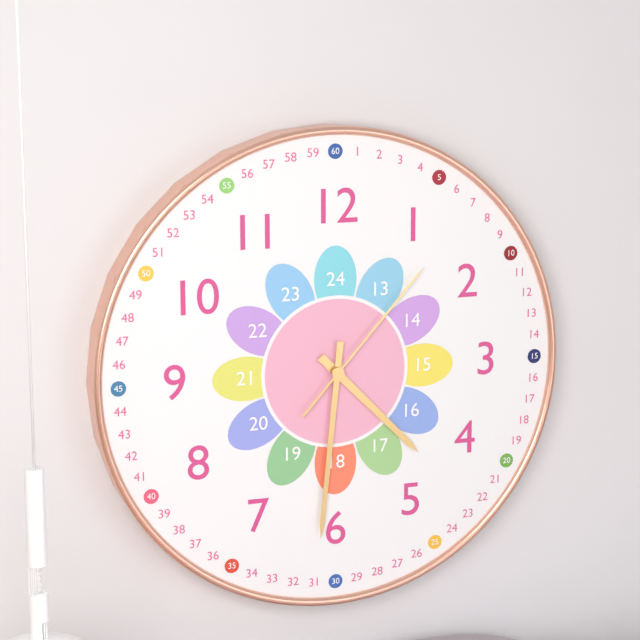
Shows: **4:31:07**
